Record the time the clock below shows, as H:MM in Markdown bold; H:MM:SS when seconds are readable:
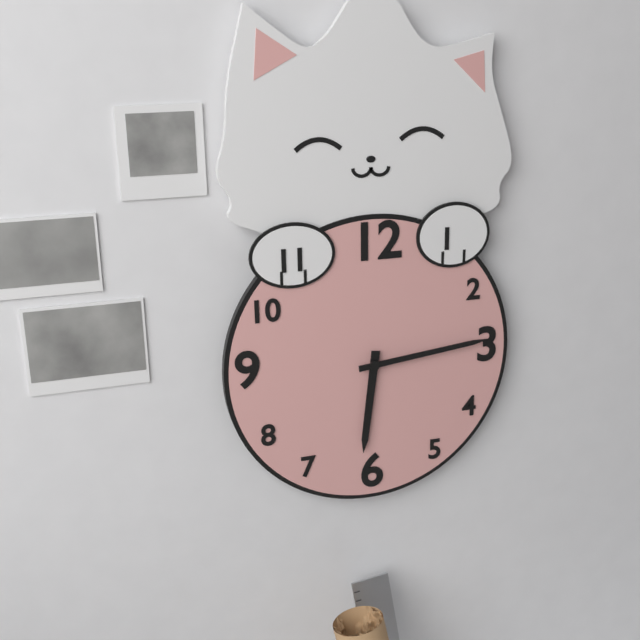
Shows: **6:14**
